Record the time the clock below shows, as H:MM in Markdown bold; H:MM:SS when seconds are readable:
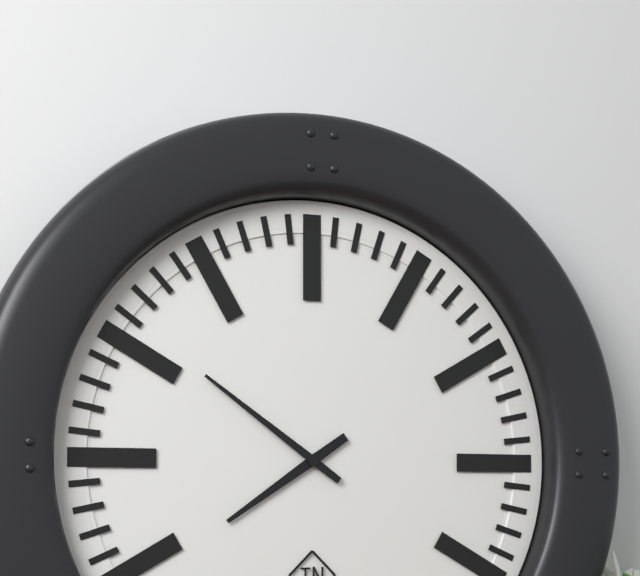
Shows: **7:51**
